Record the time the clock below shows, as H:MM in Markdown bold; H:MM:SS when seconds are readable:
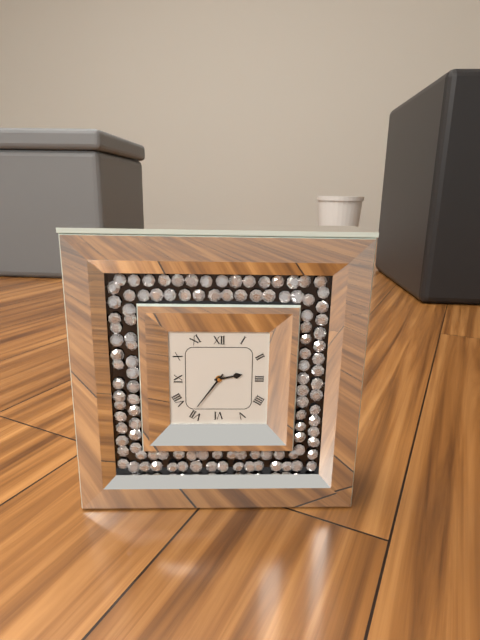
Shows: **2:36**
